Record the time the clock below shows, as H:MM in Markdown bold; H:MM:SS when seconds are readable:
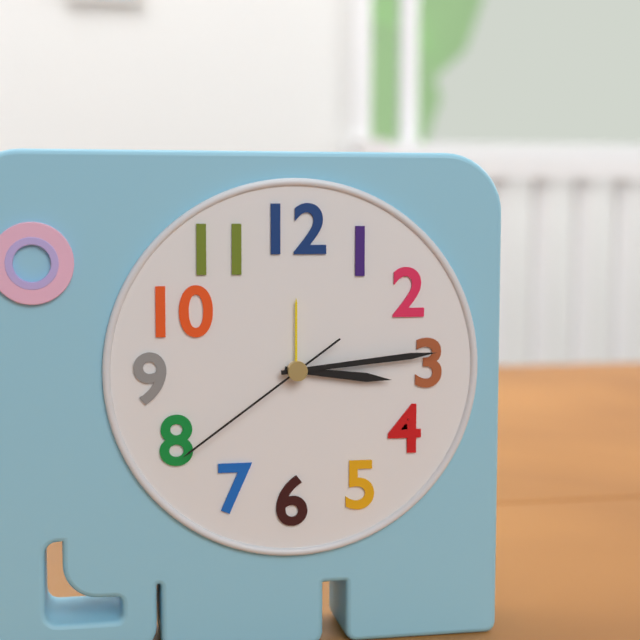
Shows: **3:14:39**
